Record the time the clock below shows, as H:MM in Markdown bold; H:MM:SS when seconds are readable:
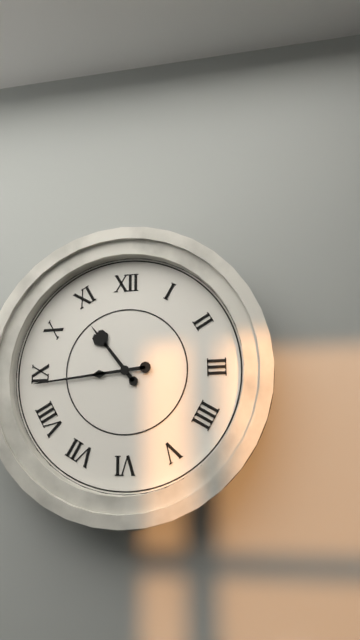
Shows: **10:44**
